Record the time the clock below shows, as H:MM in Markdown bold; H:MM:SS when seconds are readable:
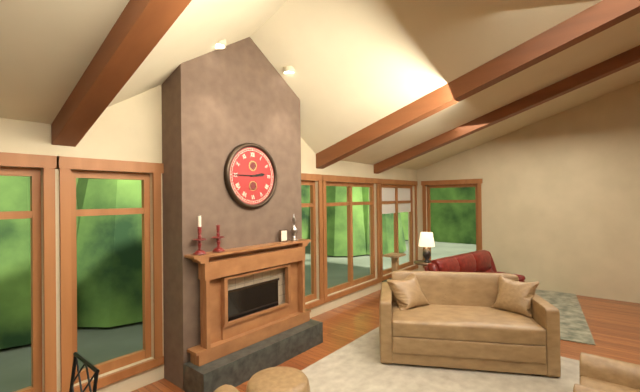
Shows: **2:45**
